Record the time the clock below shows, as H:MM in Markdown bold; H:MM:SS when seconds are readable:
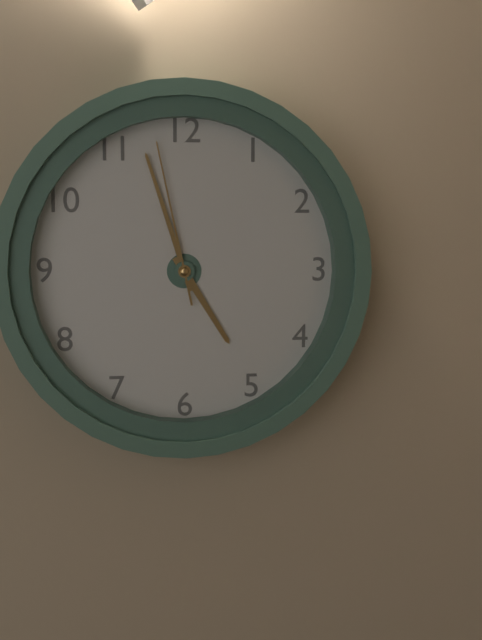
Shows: **4:57:58**
